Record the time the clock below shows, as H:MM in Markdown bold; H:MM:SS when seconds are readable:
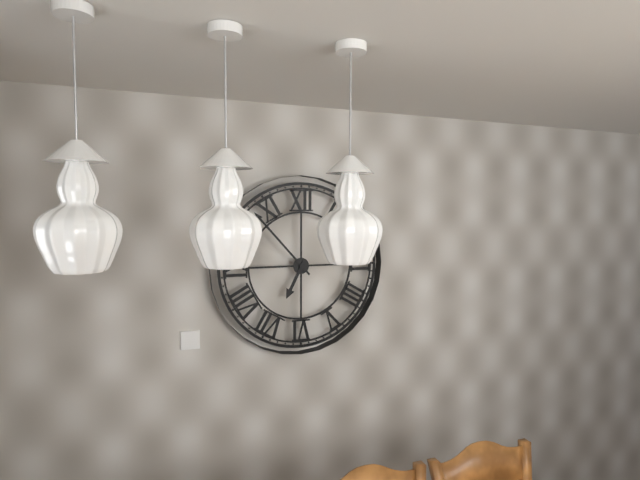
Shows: **6:53**
